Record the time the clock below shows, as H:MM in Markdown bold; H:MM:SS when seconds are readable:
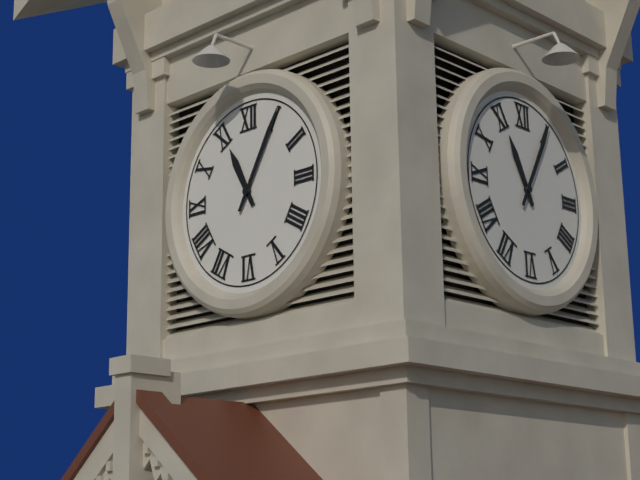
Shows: **11:05**
